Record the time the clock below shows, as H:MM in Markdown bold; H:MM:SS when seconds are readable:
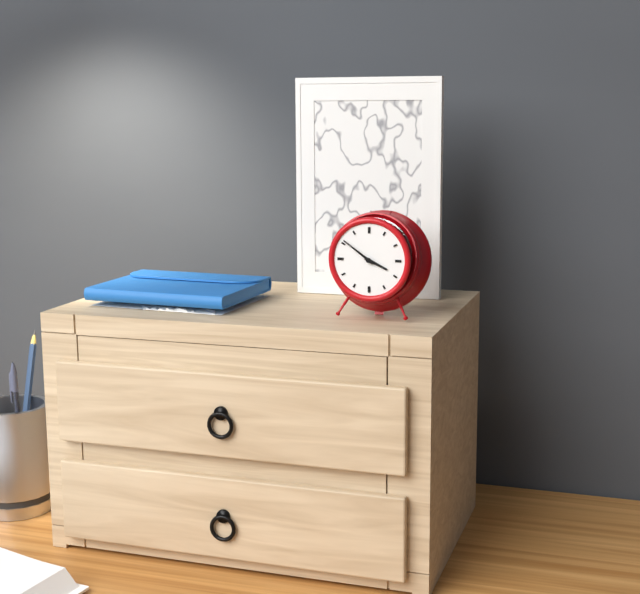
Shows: **3:51**
